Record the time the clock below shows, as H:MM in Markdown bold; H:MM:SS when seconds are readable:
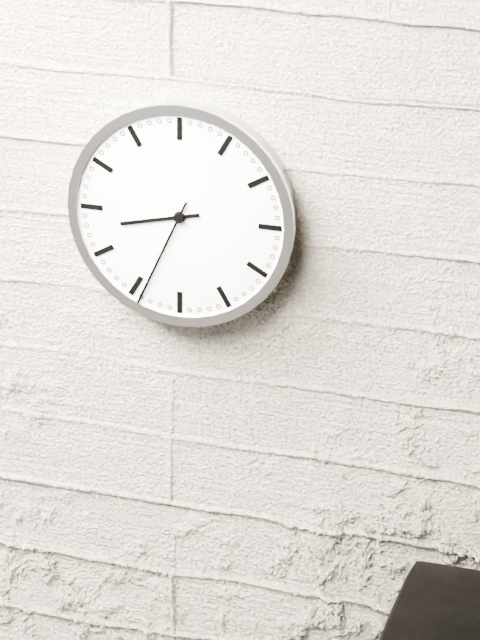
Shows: **8:34**
